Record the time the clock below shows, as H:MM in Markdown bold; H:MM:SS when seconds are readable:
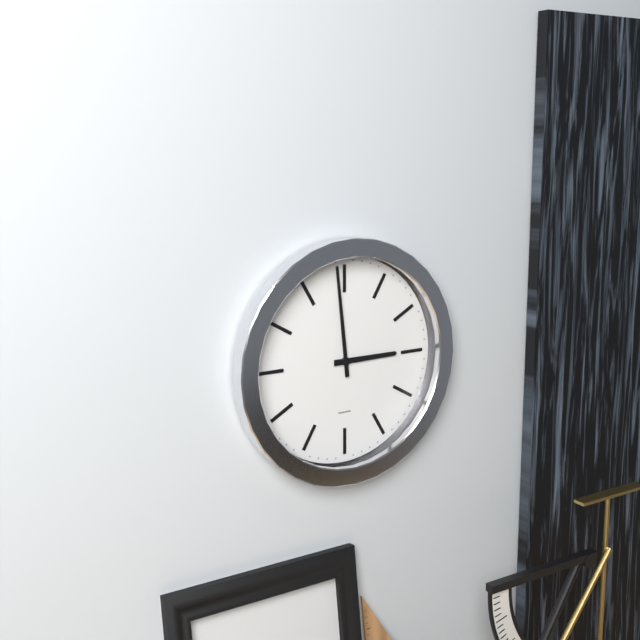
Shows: **2:59**
